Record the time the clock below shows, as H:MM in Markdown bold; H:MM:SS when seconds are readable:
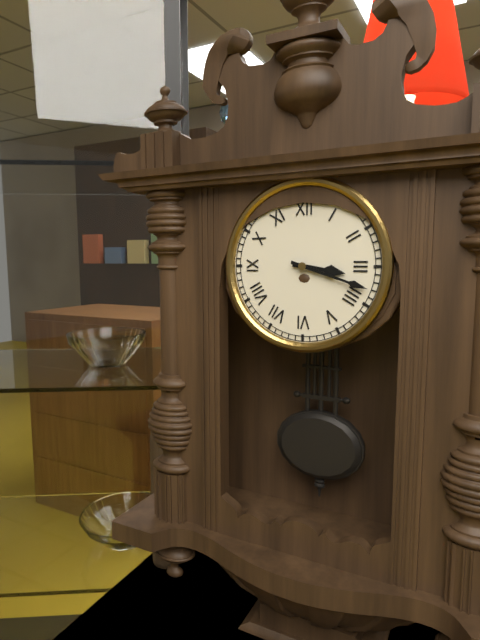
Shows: **3:18**
